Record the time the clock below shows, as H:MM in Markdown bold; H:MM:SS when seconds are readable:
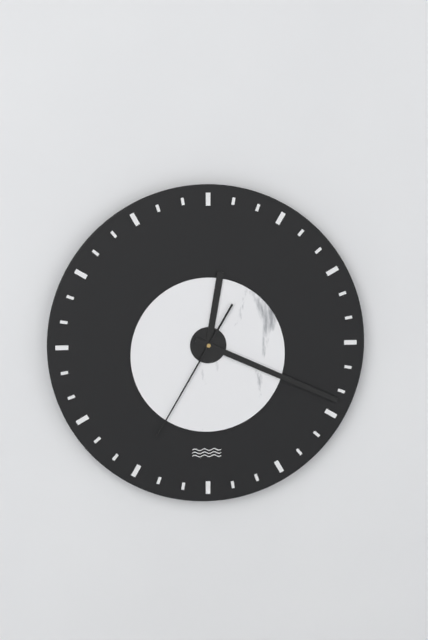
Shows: **12:19:35**
